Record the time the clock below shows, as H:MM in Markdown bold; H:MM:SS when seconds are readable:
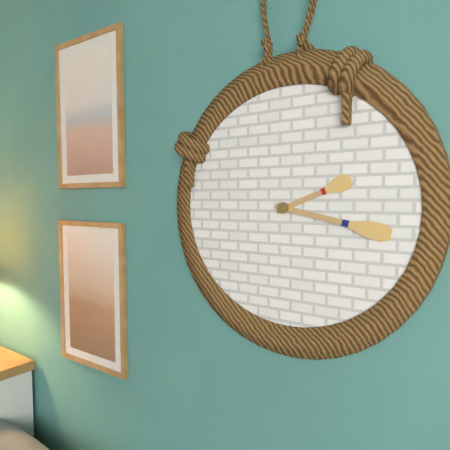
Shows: **2:17**
